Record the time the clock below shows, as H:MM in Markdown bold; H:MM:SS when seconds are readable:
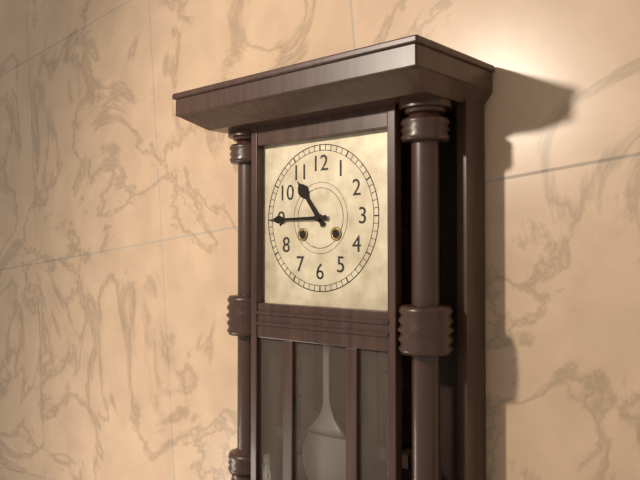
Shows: **10:45**
